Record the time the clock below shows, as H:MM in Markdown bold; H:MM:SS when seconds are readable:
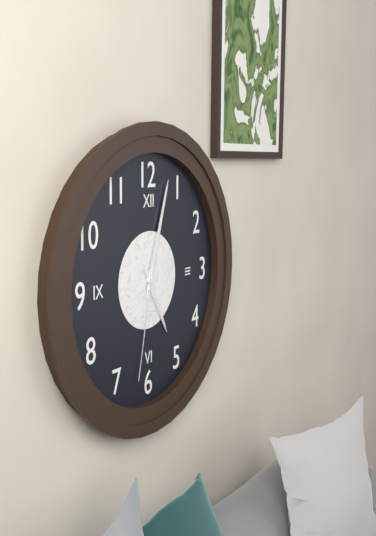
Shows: **5:03:32**
